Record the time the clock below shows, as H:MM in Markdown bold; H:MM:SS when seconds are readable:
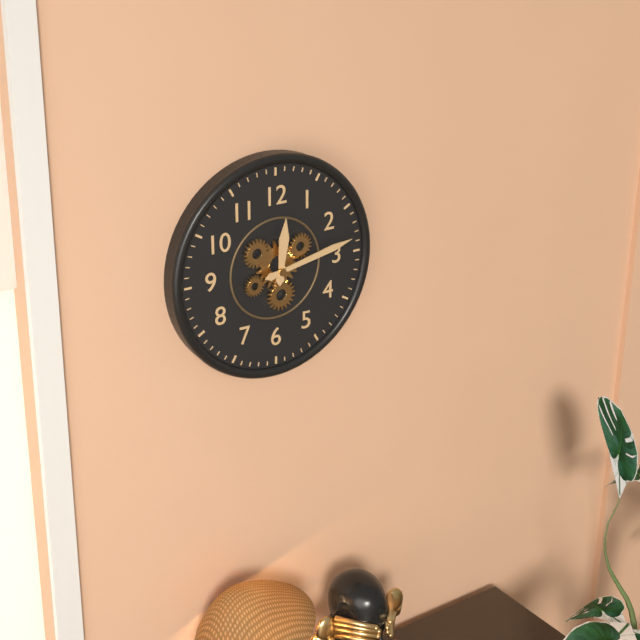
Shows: **12:13**
